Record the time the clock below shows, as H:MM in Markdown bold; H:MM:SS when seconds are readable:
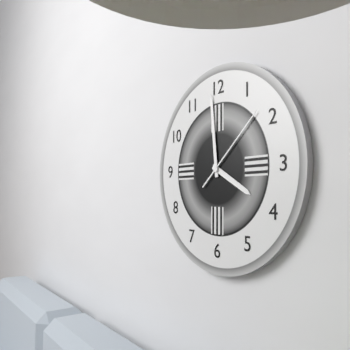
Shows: **3:59:08**
